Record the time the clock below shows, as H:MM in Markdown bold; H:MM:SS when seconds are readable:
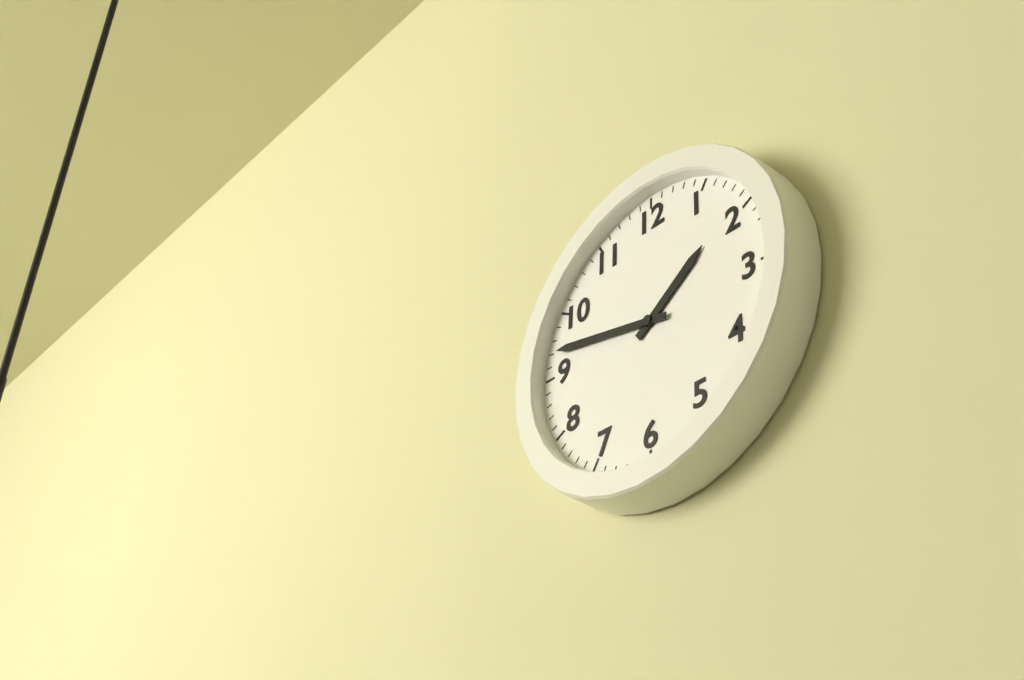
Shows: **1:47**
